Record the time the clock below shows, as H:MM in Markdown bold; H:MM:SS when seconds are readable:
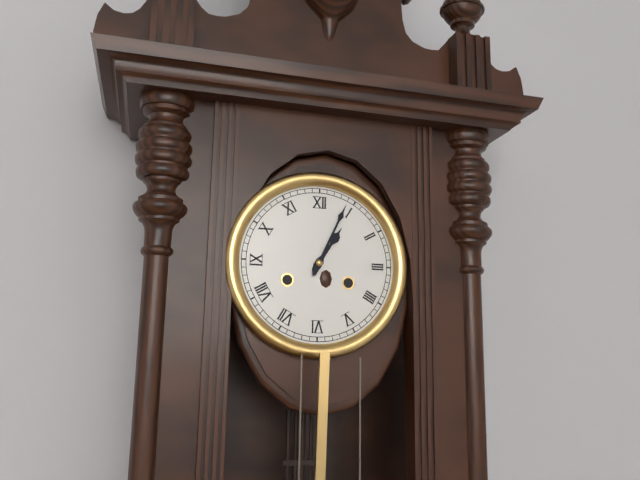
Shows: **1:04**
